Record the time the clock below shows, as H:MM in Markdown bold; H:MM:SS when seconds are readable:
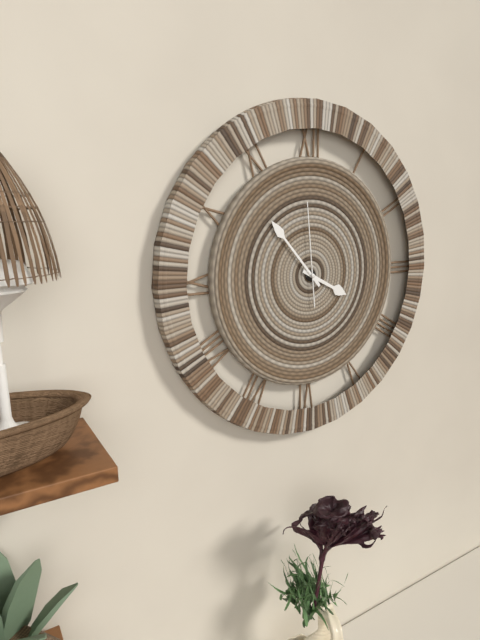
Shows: **3:53:59**
